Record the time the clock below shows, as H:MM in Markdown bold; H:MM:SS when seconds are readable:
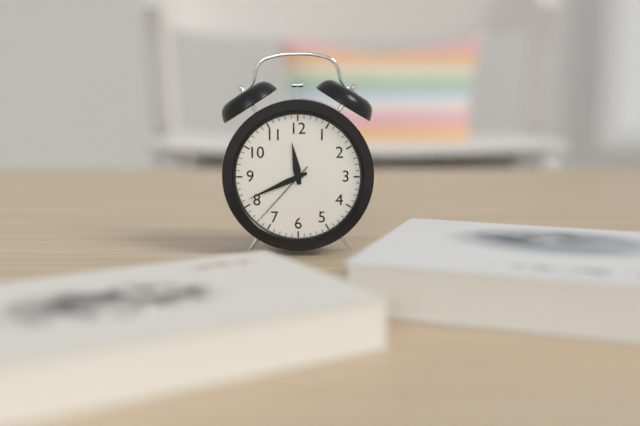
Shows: **11:41:37**
